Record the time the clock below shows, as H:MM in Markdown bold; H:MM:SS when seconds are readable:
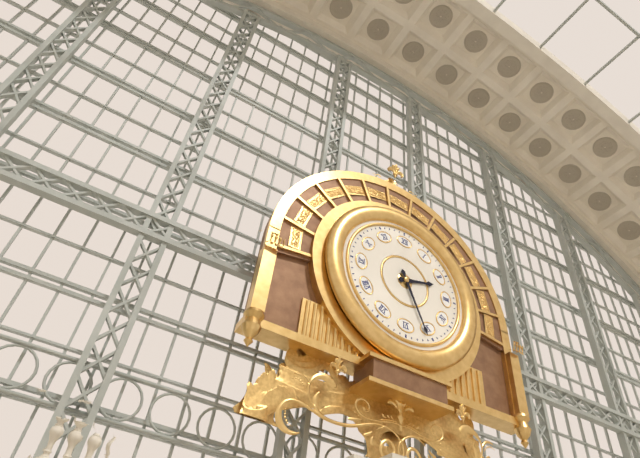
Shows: **2:26**
